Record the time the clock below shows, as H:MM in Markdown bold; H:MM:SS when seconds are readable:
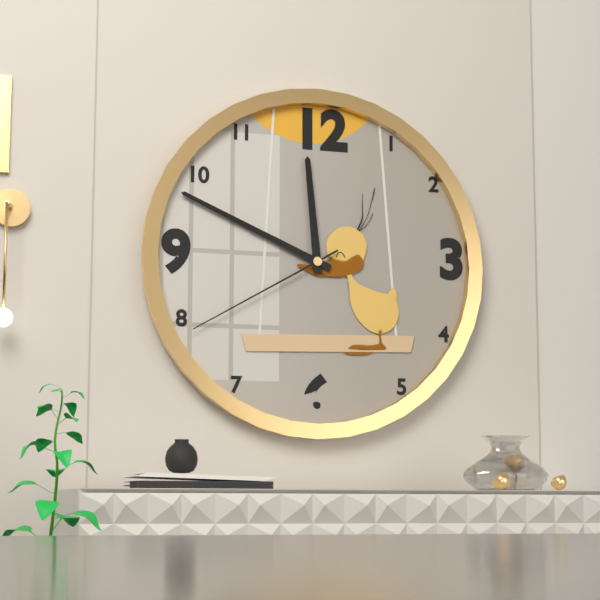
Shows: **11:49:40**
